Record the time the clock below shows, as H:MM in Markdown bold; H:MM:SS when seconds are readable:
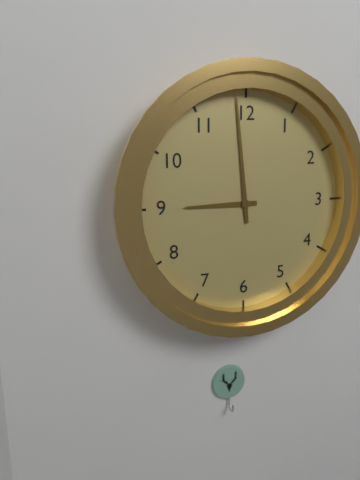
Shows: **8:59**
